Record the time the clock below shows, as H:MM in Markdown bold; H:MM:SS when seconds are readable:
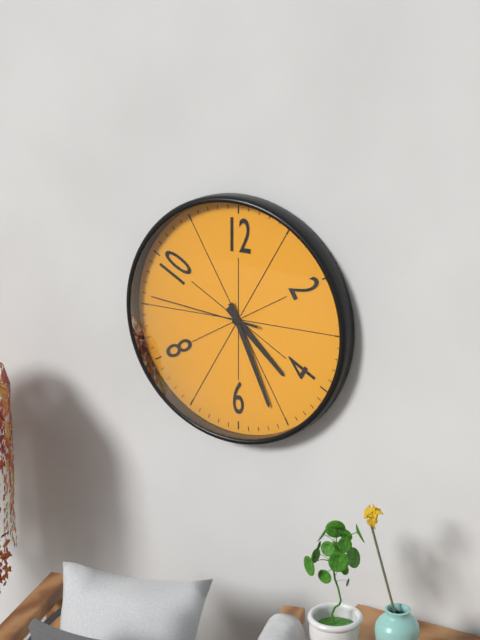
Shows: **4:26:46**
